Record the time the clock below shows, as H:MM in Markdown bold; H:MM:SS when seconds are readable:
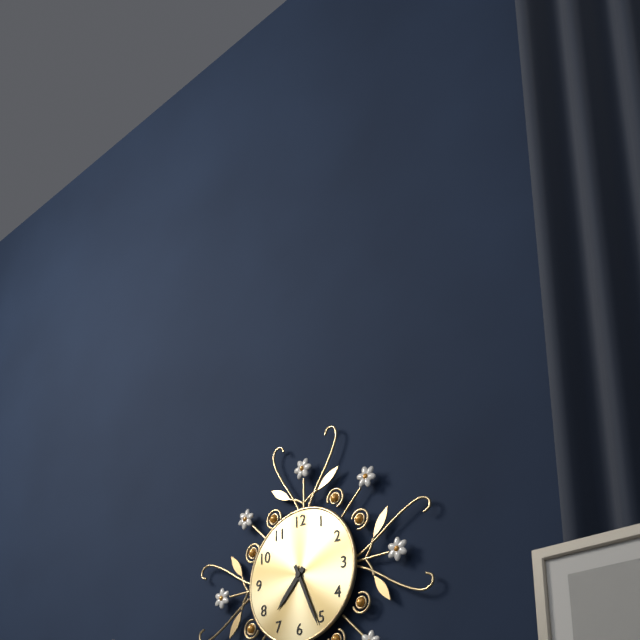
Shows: **7:26**
